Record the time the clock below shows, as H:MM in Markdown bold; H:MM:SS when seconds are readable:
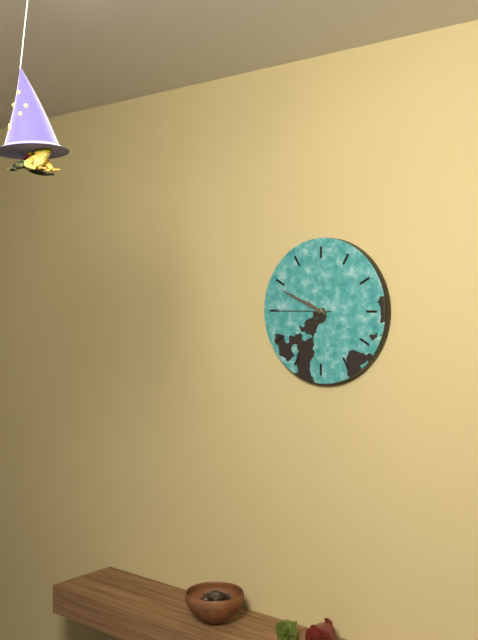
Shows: **9:49:45**
